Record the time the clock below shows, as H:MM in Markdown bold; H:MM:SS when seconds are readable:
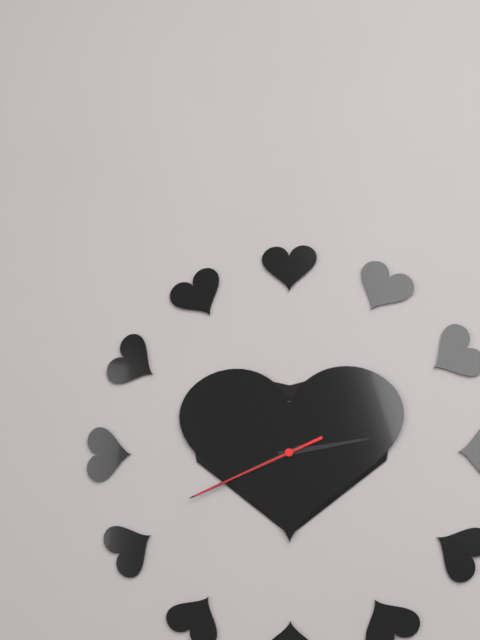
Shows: **2:41:41**
